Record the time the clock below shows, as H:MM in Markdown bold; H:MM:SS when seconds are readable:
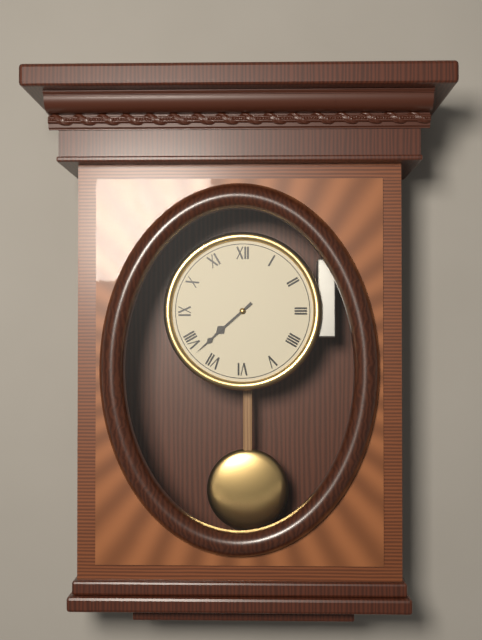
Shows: **7:38**
